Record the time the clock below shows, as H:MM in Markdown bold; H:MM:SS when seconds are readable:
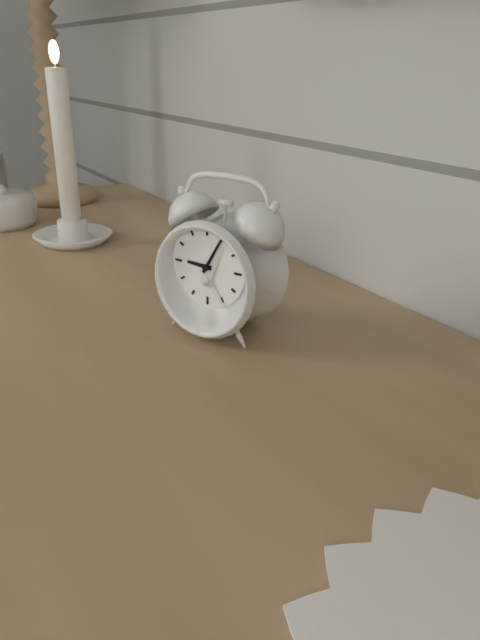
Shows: **9:05**
